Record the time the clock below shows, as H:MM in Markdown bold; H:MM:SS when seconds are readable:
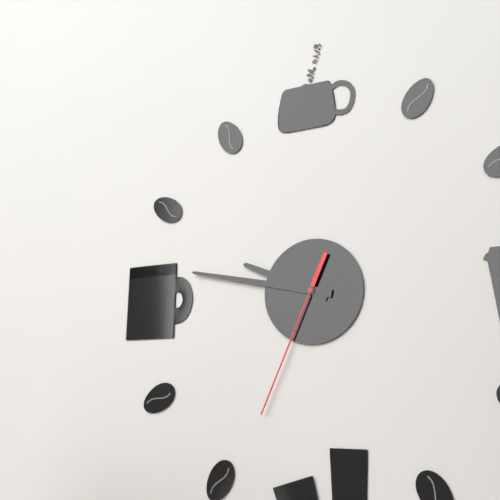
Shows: **9:47:34**
